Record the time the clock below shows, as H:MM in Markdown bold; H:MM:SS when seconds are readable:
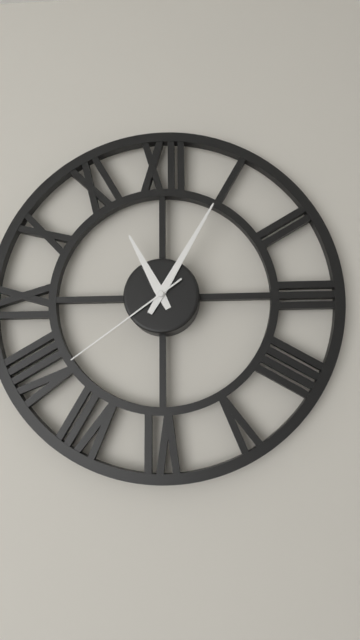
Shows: **11:05:39**
